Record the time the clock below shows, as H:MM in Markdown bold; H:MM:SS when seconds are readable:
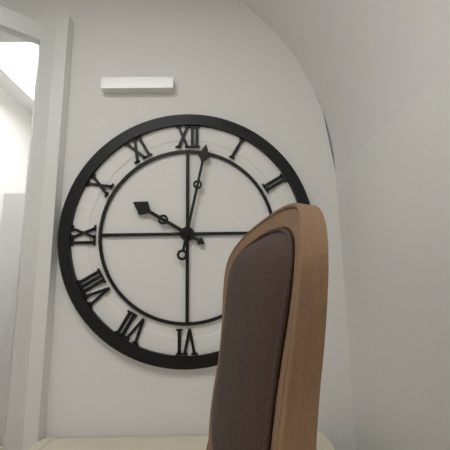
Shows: **10:02**
